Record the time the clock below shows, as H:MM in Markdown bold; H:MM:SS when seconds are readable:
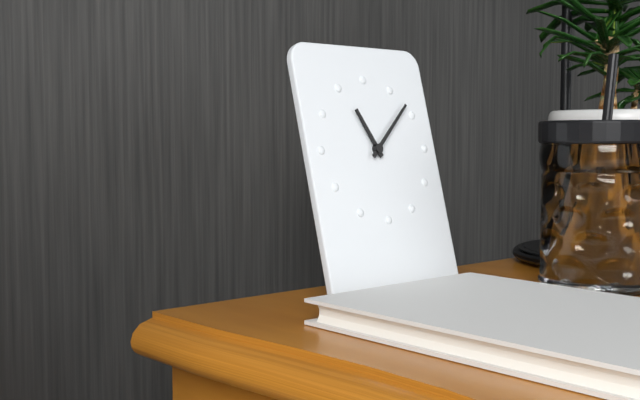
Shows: **11:08**
